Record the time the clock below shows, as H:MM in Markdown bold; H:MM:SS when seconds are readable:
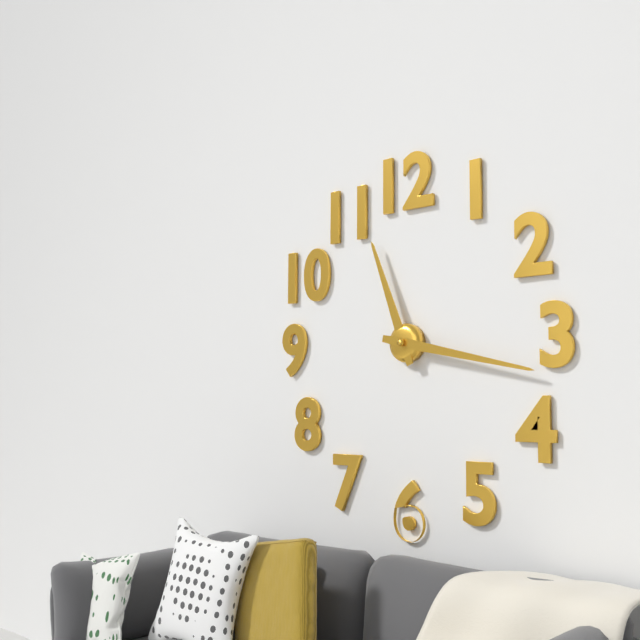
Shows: **11:17**
